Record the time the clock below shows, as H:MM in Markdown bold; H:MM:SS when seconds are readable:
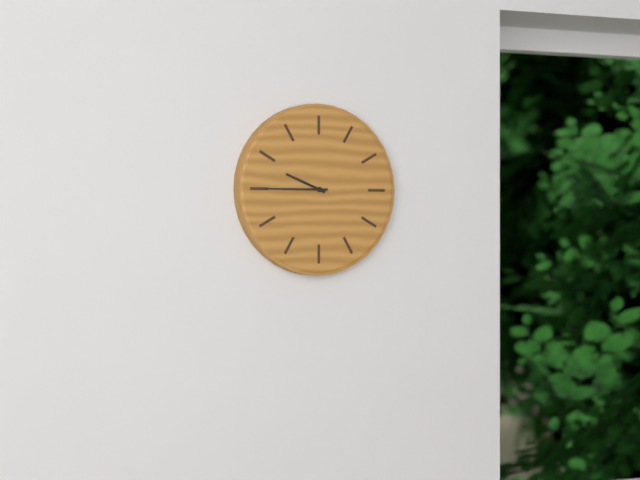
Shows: **9:45**
